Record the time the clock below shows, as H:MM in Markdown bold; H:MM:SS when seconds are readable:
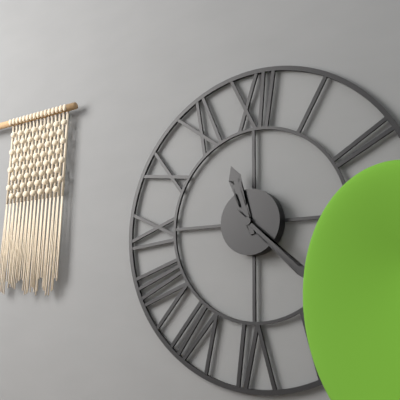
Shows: **11:22**
